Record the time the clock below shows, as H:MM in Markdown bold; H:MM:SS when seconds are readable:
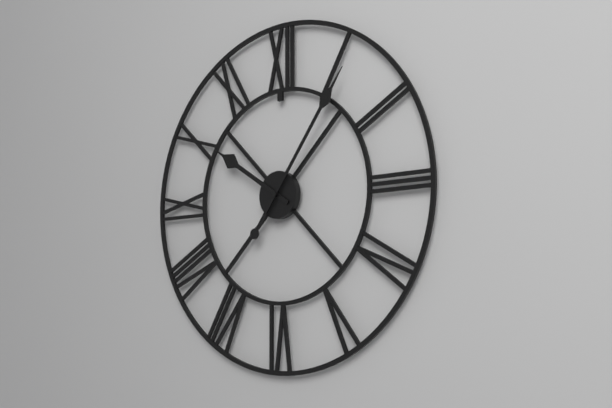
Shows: **10:06**
